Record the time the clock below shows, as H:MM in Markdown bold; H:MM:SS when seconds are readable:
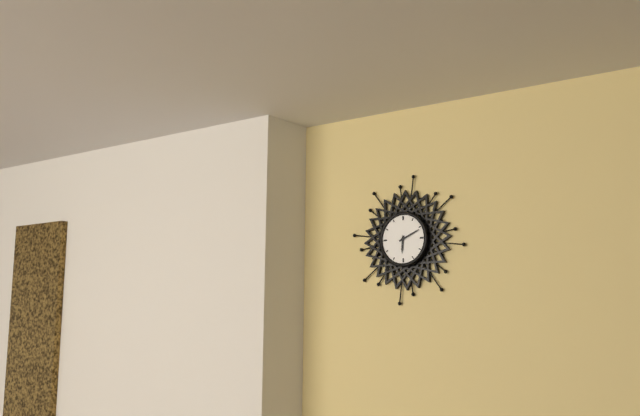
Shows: **6:11**
